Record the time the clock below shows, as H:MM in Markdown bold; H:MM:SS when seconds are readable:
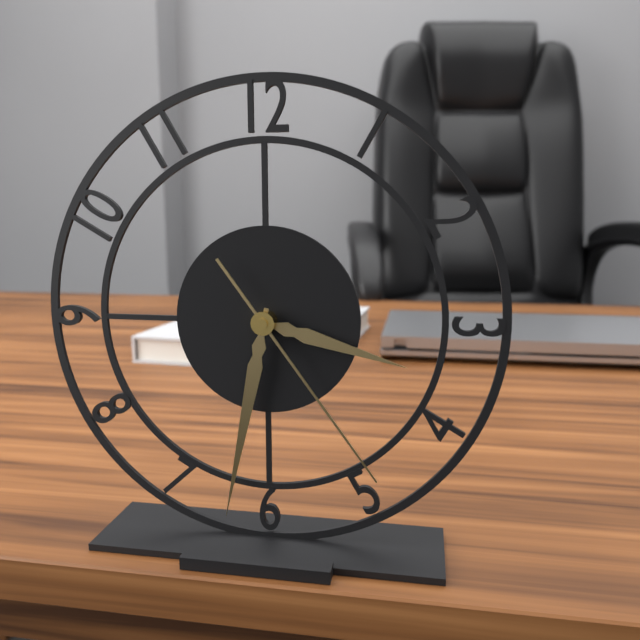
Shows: **3:32:24**
